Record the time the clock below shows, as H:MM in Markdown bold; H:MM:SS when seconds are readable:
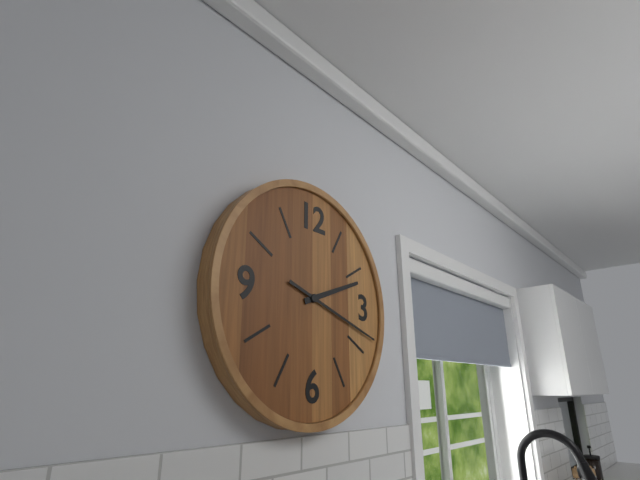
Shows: **2:18**
